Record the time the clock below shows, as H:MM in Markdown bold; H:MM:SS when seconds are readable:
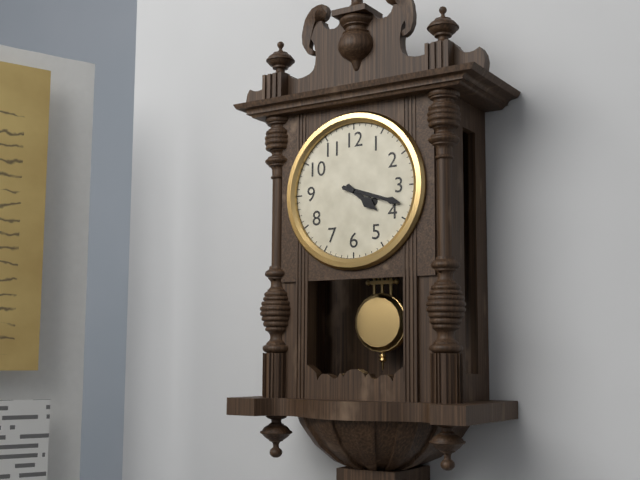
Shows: **4:18**
